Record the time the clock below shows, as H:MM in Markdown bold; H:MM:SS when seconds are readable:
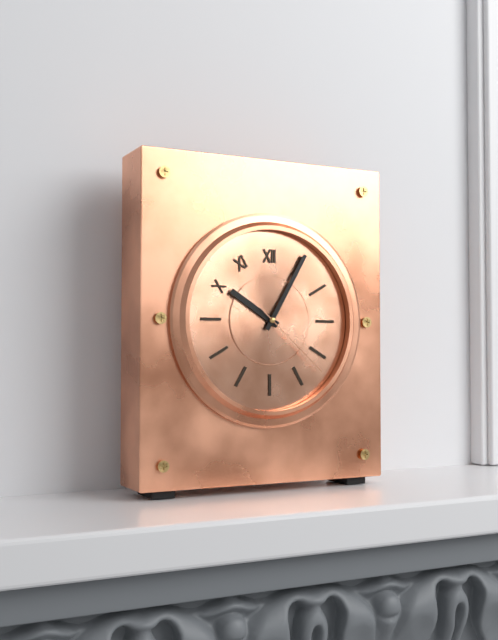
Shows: **10:05:22**
